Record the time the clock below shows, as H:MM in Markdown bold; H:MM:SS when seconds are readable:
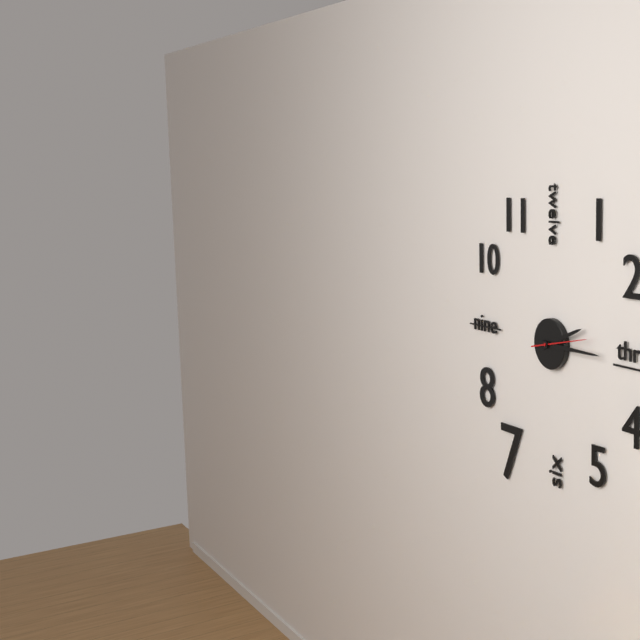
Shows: **2:15:13**
